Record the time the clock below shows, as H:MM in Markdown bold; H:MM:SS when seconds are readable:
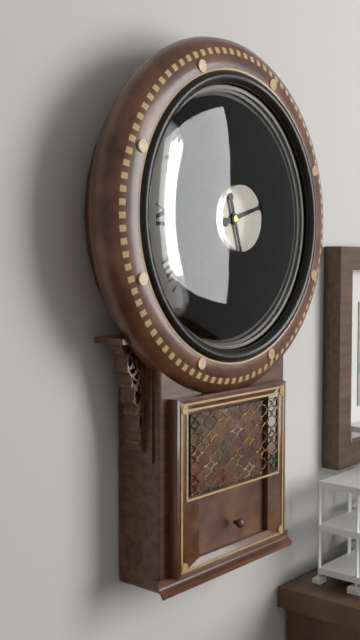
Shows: **2:27**
